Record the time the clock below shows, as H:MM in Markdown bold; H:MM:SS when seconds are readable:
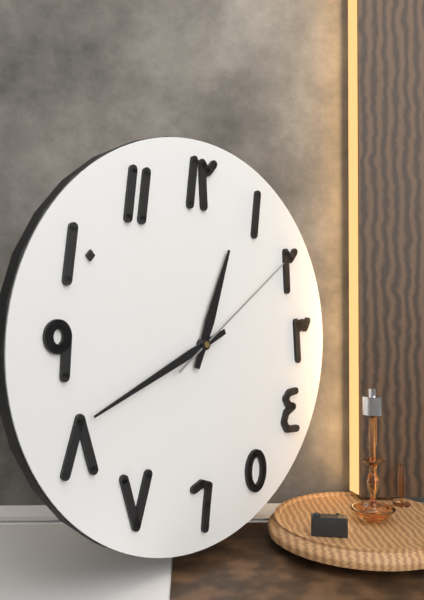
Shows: **12:41:09**
